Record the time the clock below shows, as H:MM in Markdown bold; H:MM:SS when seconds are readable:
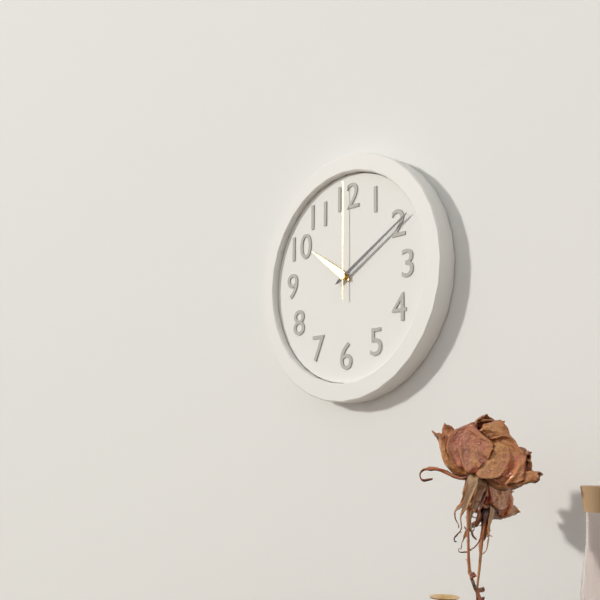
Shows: **10:10:00**
